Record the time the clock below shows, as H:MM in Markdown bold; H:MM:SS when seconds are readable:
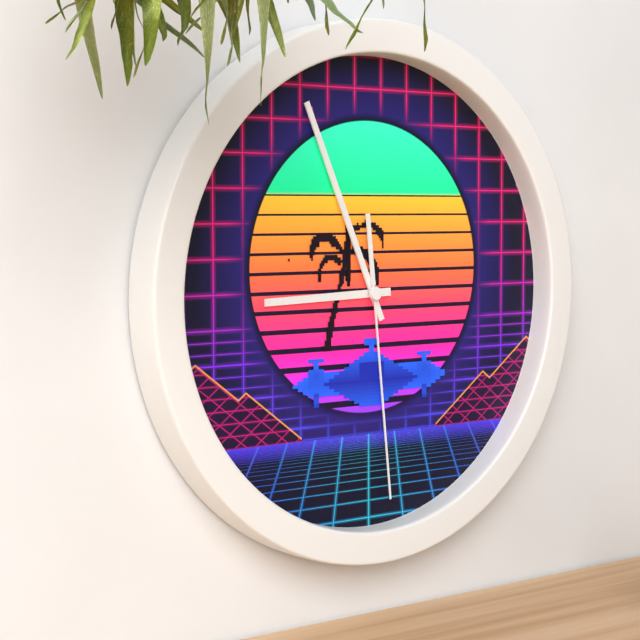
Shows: **8:56:29**
